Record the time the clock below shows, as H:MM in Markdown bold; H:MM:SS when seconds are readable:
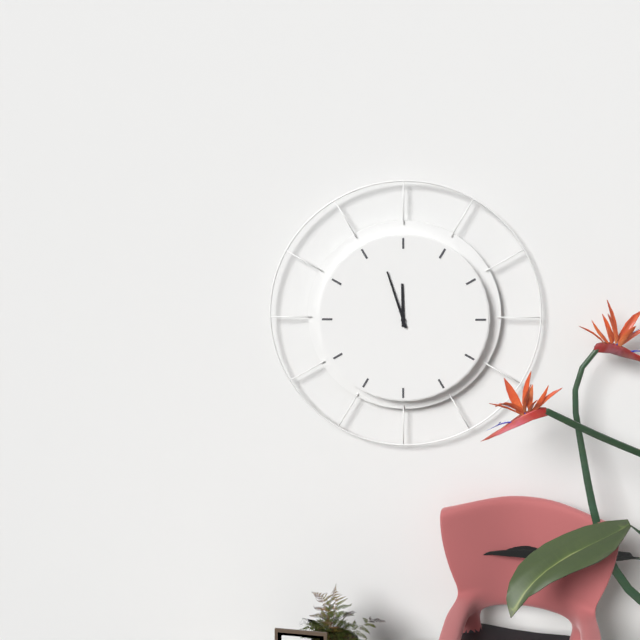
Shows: **11:57**
